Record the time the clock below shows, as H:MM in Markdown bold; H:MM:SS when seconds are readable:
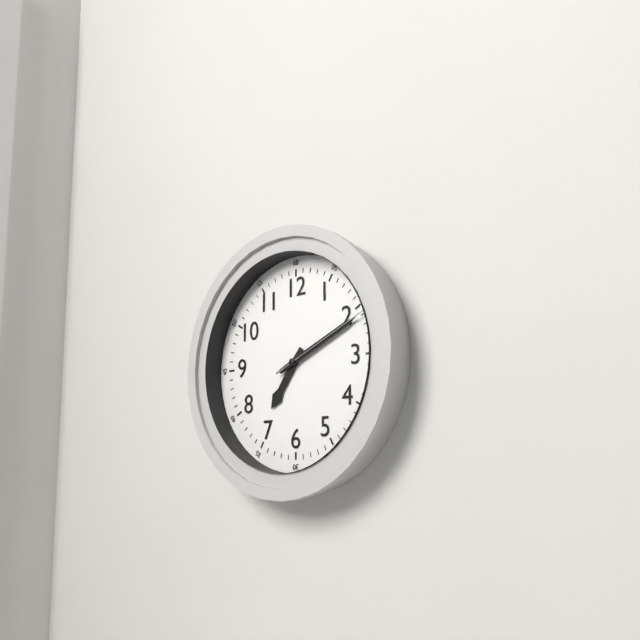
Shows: **7:11:11**
